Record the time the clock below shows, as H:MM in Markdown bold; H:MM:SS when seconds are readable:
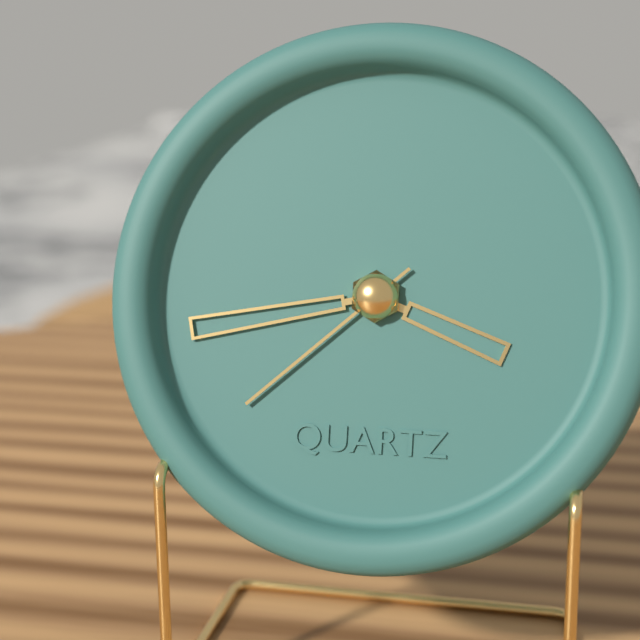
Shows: **3:43:38**
